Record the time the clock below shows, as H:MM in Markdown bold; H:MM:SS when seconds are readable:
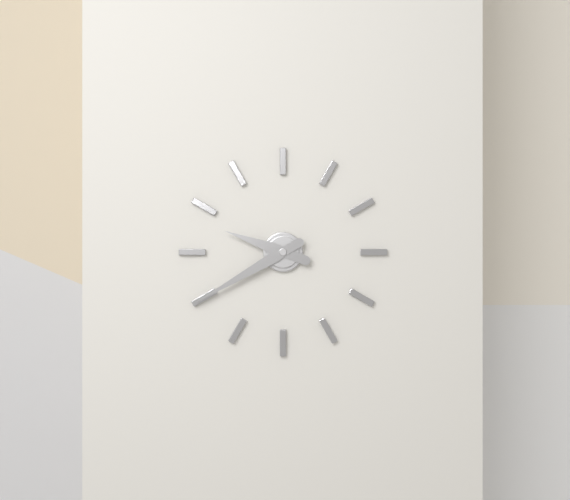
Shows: **9:40**
